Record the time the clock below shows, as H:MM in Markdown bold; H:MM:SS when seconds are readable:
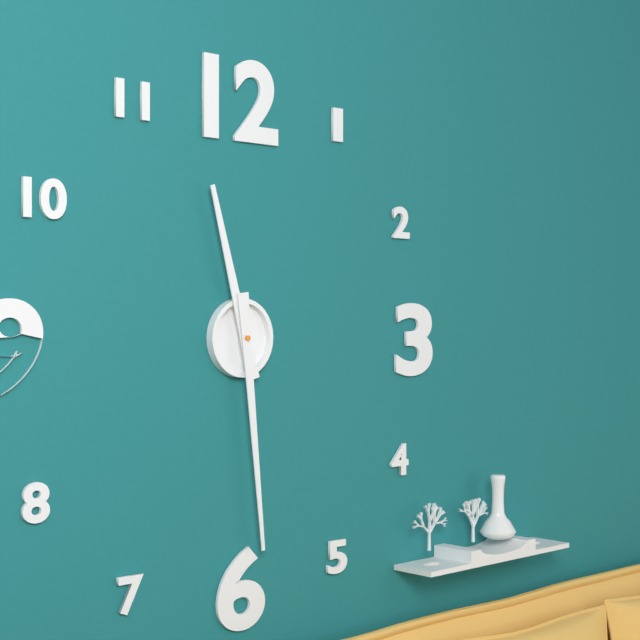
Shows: **11:29**
